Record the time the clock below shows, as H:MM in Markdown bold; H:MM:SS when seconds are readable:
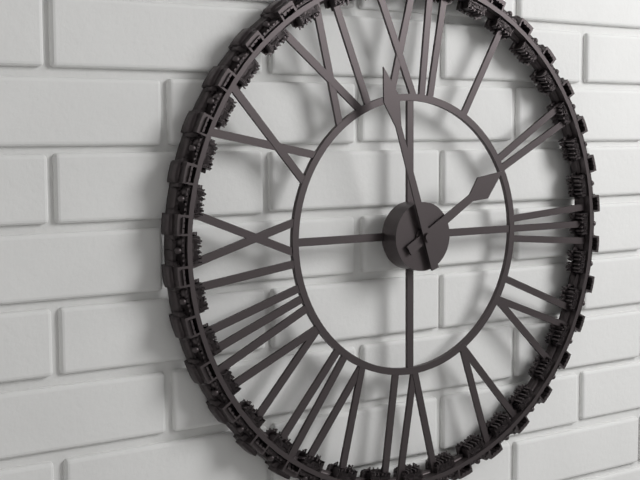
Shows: **1:57**
